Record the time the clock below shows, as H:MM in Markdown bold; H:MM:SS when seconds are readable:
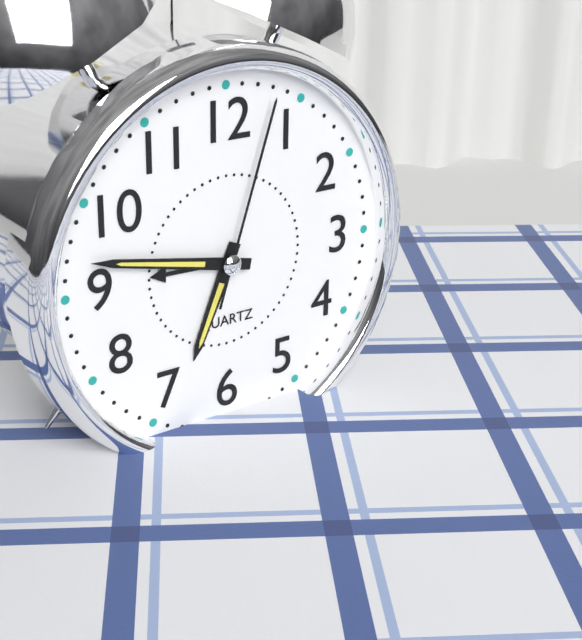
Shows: **6:47:03**
